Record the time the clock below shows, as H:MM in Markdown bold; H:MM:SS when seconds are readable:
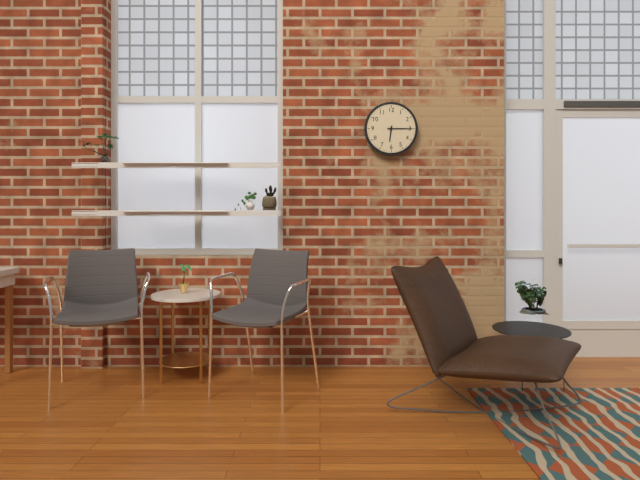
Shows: **6:15**
